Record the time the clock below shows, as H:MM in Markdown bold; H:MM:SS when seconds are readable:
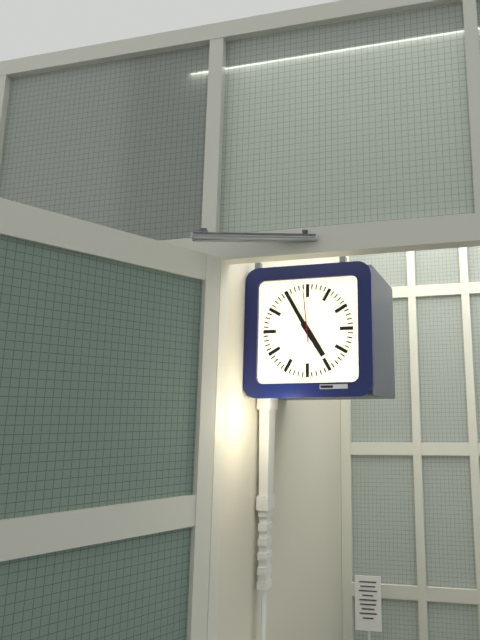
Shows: **4:55**
